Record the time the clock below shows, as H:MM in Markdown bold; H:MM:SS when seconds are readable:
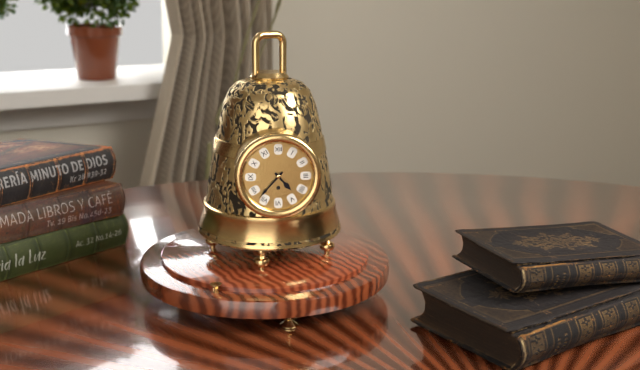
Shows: **4:37**
